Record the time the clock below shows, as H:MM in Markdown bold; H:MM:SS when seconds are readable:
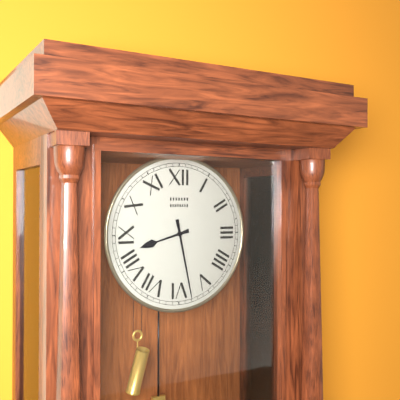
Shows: **8:28**
